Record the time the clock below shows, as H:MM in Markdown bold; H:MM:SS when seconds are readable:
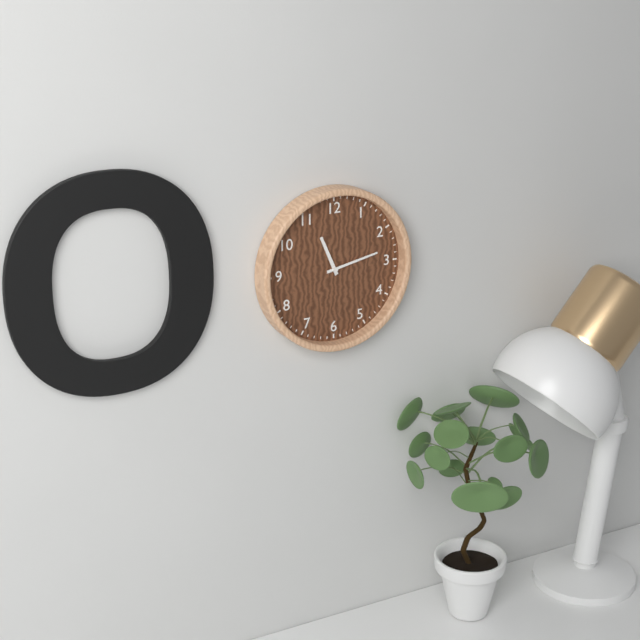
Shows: **11:13**
